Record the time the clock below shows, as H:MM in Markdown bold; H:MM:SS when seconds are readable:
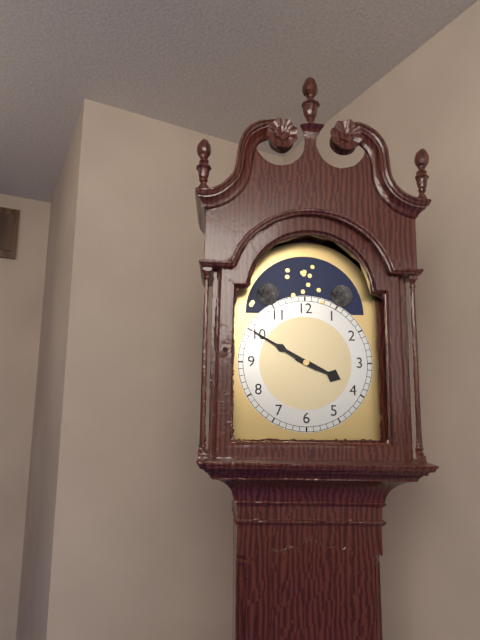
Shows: **3:50**
